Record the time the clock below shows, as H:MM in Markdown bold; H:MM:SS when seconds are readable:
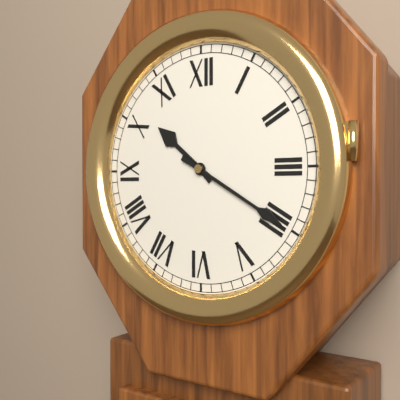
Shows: **10:20**
